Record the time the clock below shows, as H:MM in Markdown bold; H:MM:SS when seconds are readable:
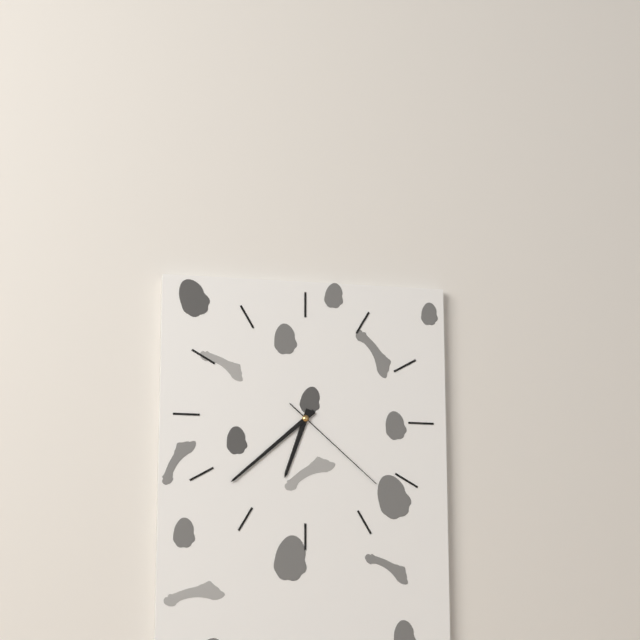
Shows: **6:38:22**
